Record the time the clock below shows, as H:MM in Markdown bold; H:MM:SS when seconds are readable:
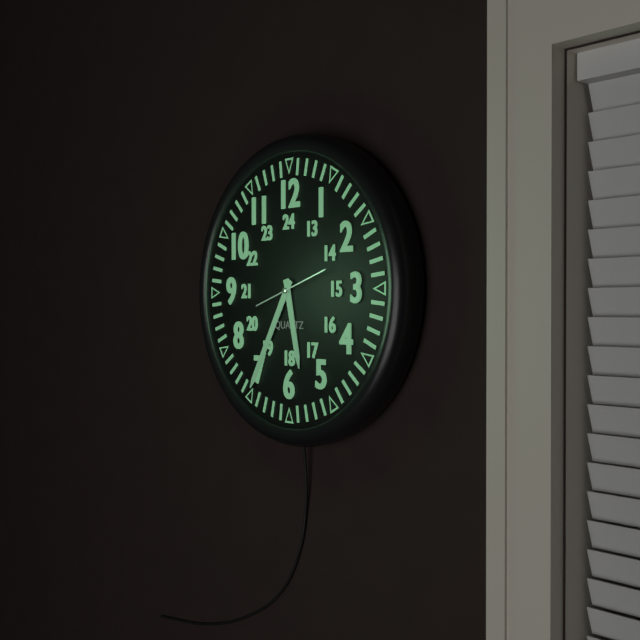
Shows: **5:35**
